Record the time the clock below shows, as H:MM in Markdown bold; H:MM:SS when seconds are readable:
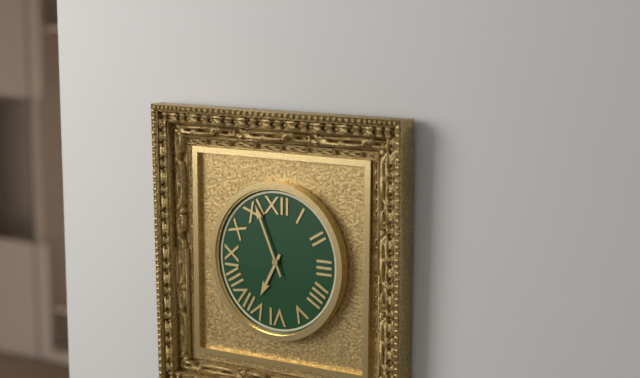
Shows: **6:56**
